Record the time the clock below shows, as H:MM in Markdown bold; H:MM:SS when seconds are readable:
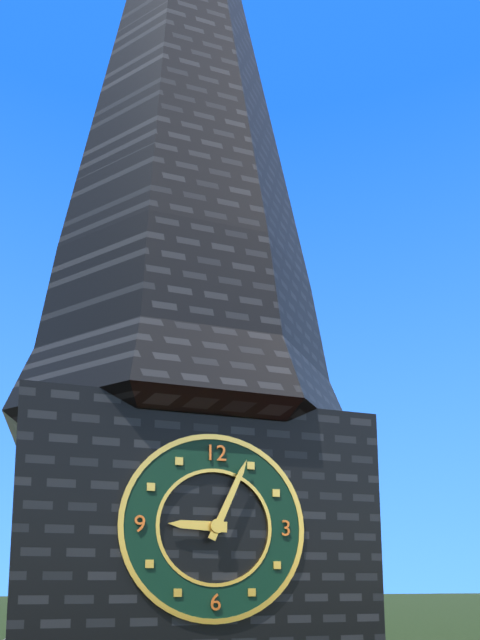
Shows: **9:04**
